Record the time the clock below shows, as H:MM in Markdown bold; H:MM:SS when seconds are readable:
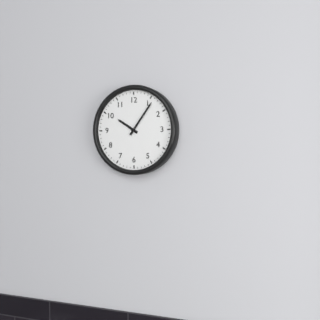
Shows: **10:06**
